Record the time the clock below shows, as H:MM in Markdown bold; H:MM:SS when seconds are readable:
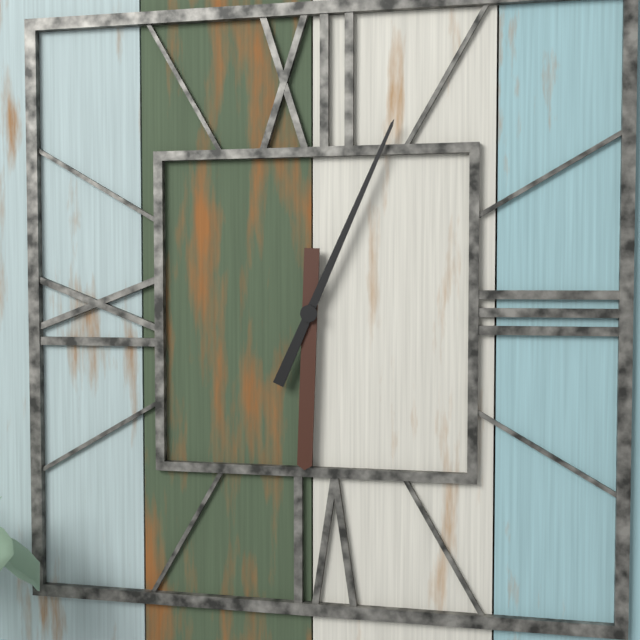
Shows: **6:04**
